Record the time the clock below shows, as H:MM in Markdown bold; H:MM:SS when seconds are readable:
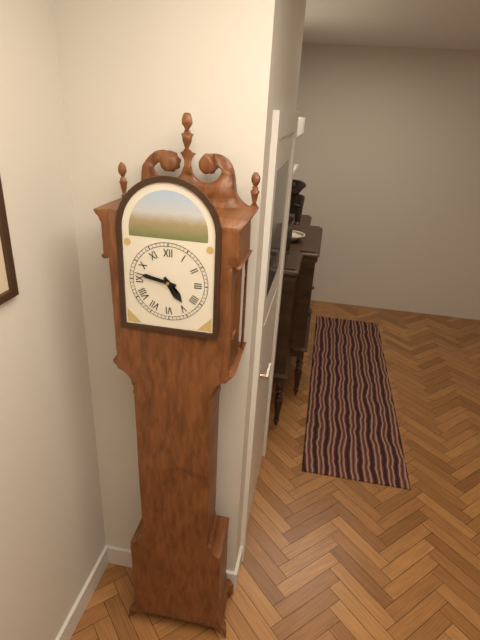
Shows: **4:47**
